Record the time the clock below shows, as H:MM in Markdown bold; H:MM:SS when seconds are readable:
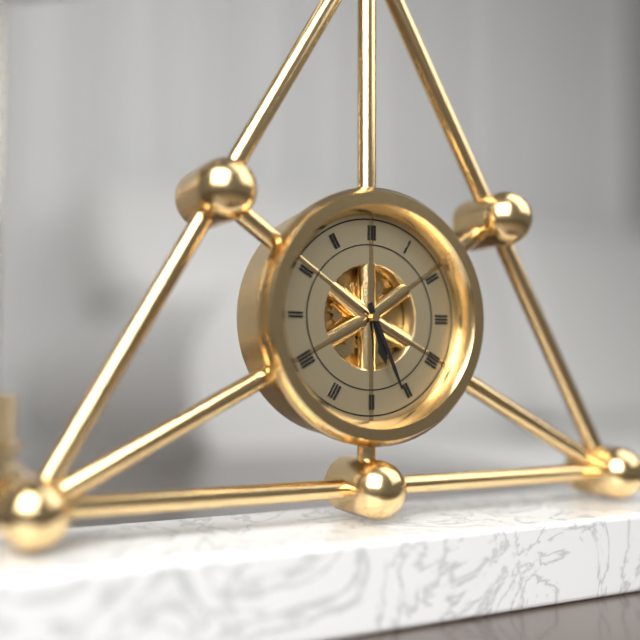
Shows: **5:26**
